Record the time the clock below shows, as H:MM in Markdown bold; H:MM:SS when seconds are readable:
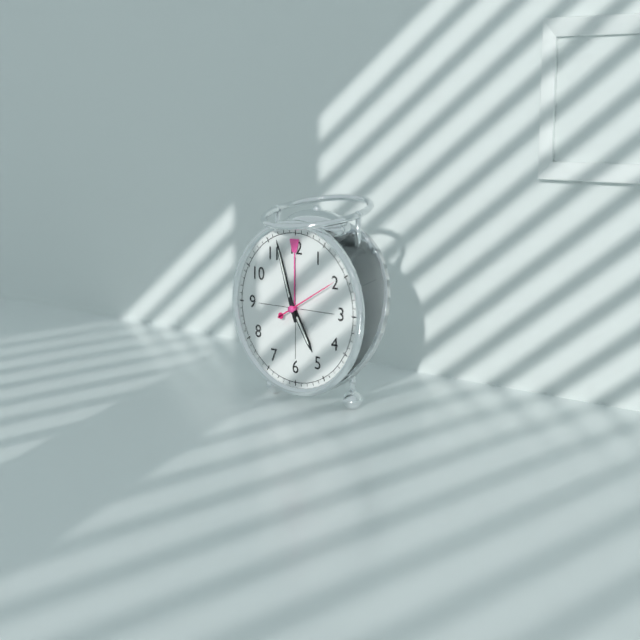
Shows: **4:57:10**
